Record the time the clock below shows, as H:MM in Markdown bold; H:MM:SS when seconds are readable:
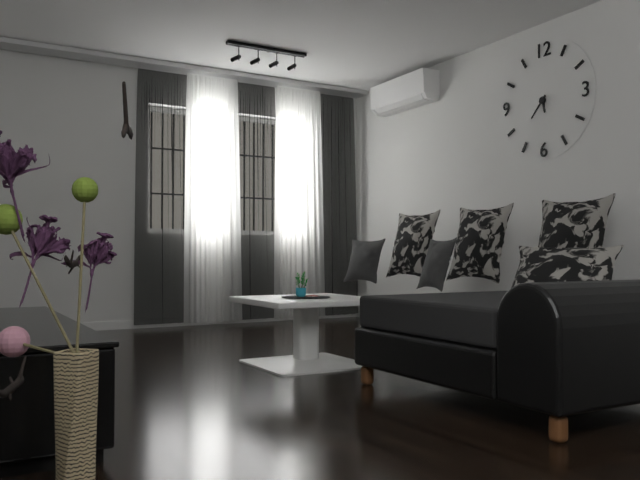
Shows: **5:37**
